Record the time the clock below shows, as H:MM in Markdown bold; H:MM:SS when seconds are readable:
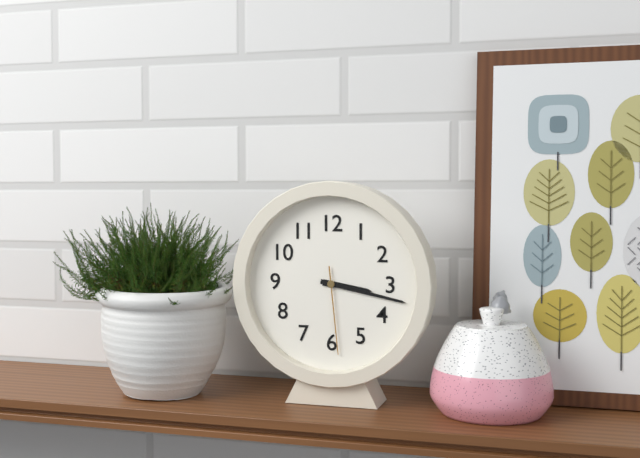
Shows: **3:17:29**
